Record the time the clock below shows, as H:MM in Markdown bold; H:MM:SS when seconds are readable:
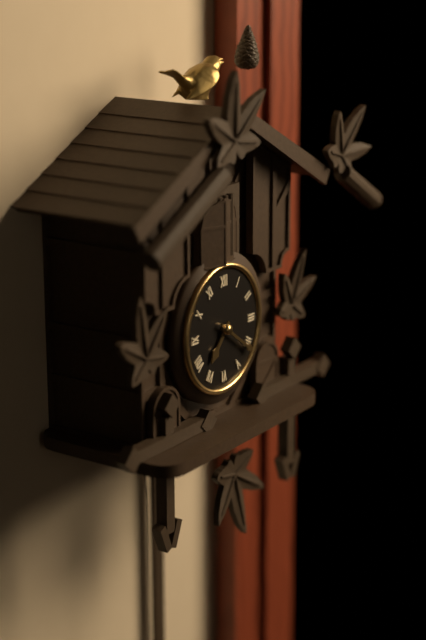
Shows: **7:21**
